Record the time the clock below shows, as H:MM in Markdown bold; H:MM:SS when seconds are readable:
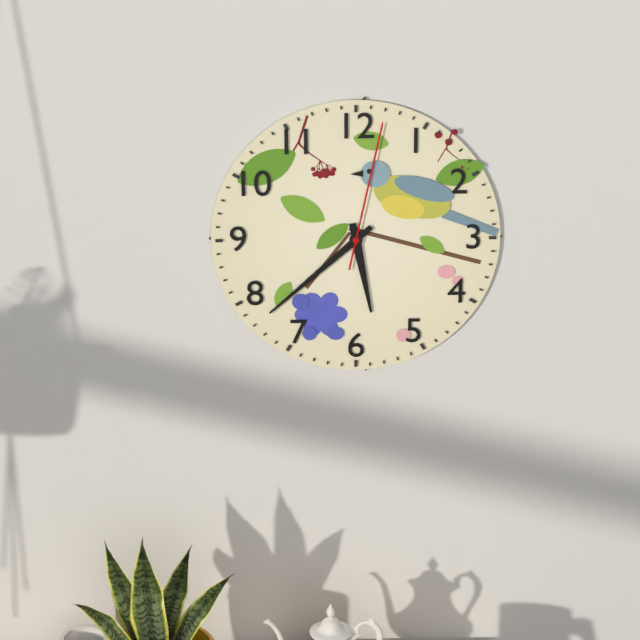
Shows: **5:38:02**
